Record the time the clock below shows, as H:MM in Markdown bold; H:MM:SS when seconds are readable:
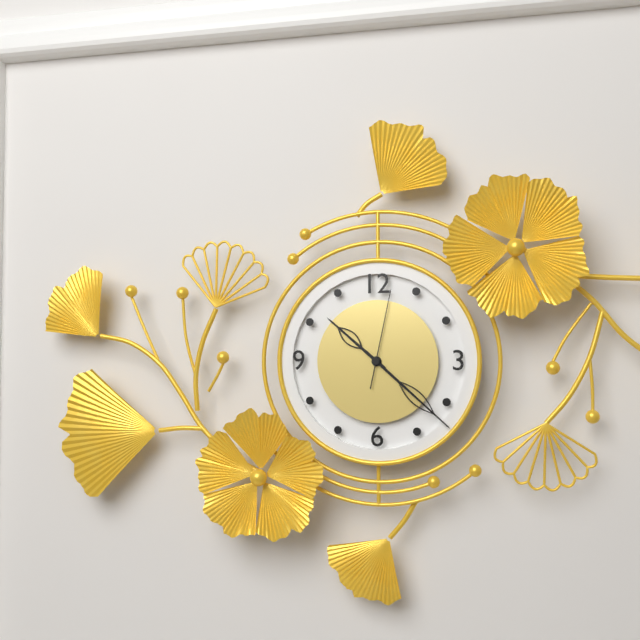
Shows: **10:22:02**
